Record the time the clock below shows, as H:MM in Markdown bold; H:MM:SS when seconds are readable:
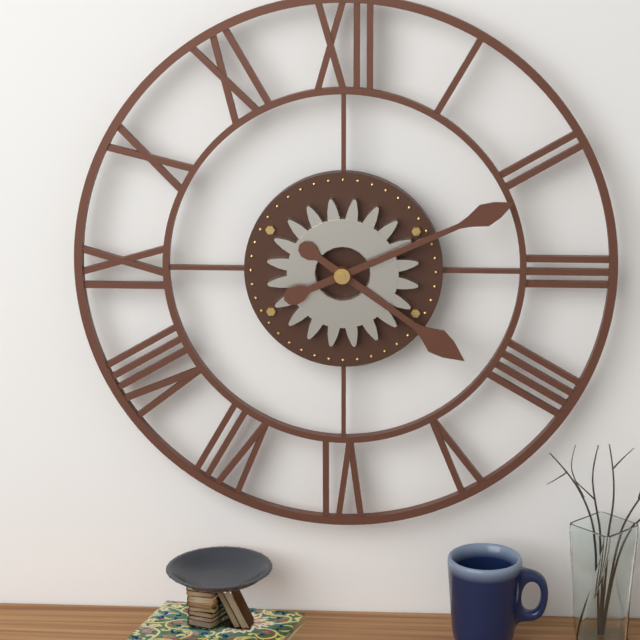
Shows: **4:11**
